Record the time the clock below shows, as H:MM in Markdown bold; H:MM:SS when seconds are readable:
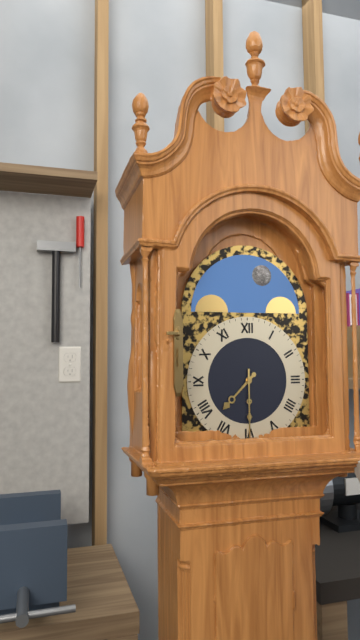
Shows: **7:30**
